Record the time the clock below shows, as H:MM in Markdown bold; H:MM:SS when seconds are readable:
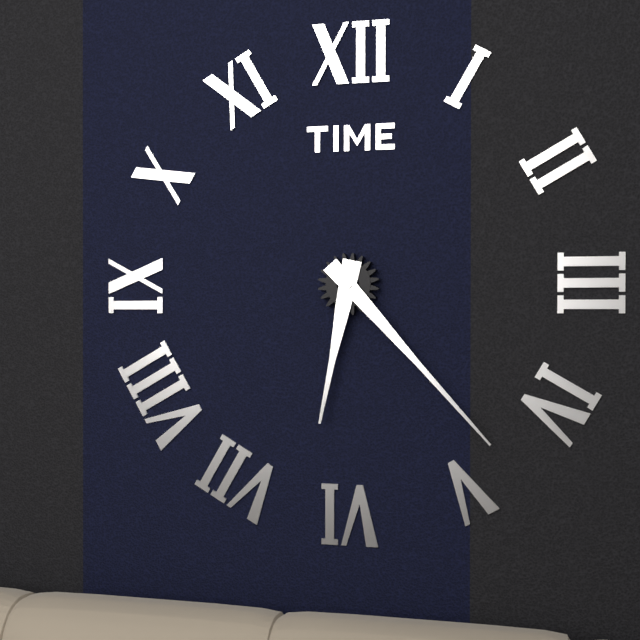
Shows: **6:23**
